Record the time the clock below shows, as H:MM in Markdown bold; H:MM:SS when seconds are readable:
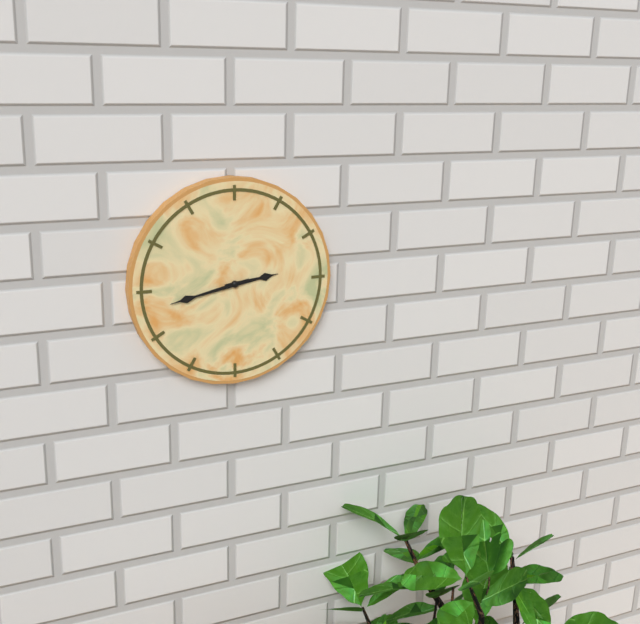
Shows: **2:43**
